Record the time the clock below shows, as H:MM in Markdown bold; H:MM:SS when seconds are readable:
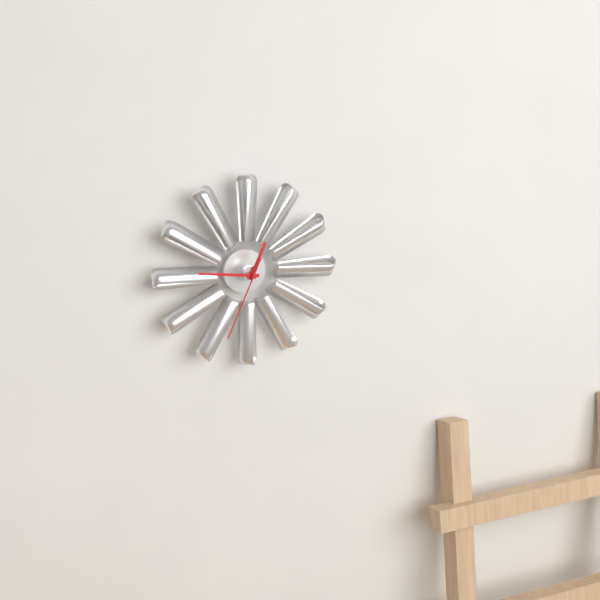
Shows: **12:46:34**
